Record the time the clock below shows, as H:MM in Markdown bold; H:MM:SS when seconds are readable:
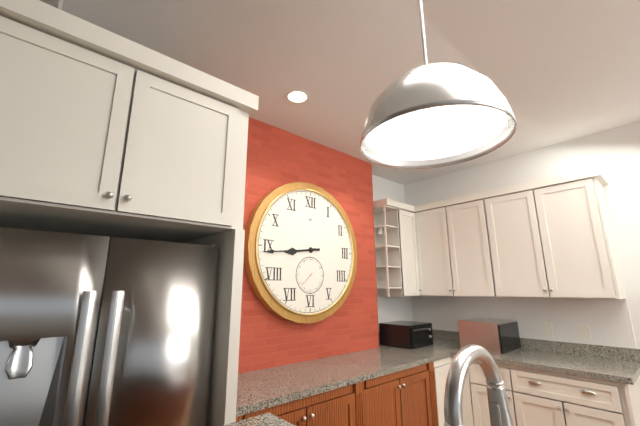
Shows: **8:44**
